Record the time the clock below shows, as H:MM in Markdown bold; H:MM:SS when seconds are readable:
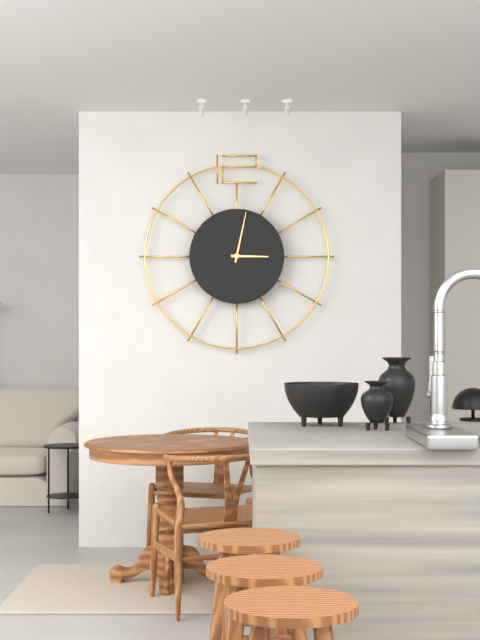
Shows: **3:02**
